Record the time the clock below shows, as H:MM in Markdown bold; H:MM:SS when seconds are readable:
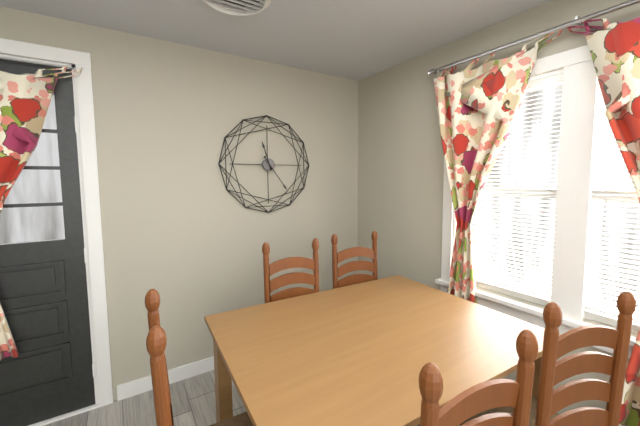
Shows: **11:24**
